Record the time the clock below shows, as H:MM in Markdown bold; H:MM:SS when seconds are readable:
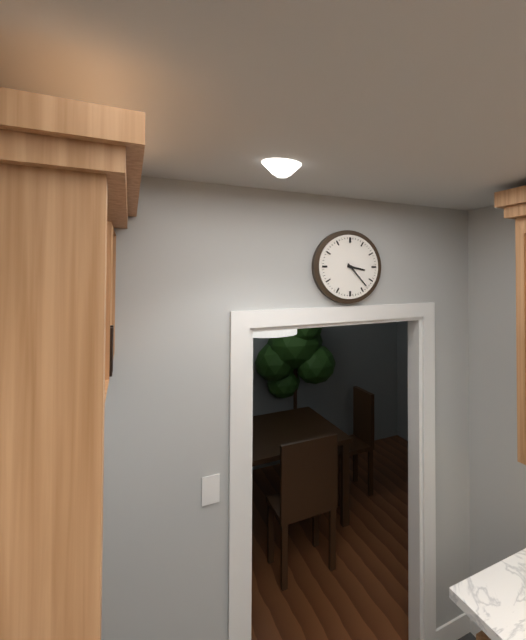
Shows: **3:23**
